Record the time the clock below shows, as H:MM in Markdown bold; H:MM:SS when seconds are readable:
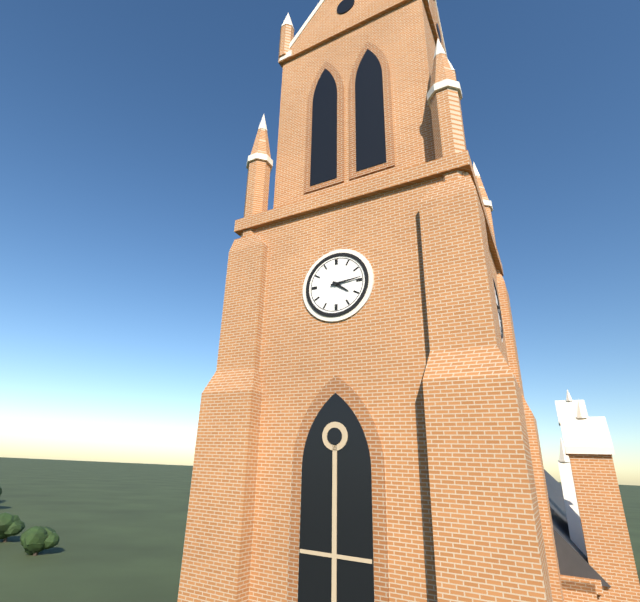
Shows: **4:14**
